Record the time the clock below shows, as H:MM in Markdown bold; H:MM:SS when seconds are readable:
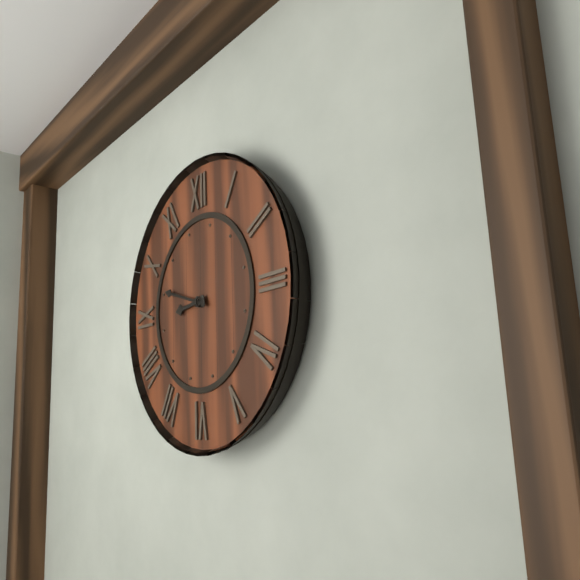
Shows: **8:48**
